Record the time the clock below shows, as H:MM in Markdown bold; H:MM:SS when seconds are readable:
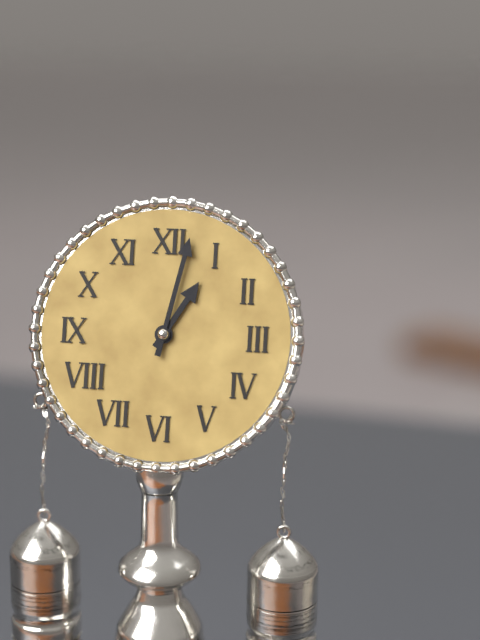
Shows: **1:02**
